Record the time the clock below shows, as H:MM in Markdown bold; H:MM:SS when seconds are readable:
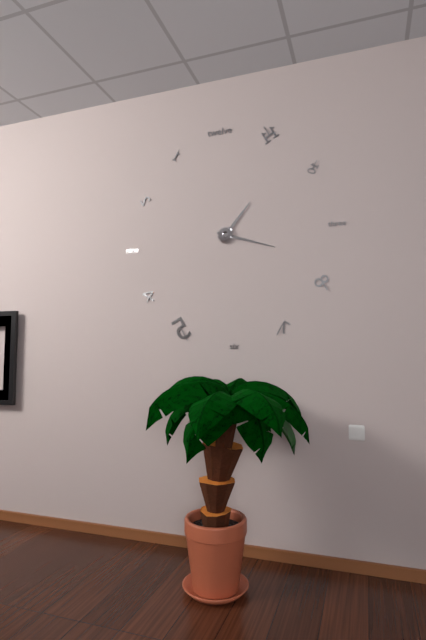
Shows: **1:18**
